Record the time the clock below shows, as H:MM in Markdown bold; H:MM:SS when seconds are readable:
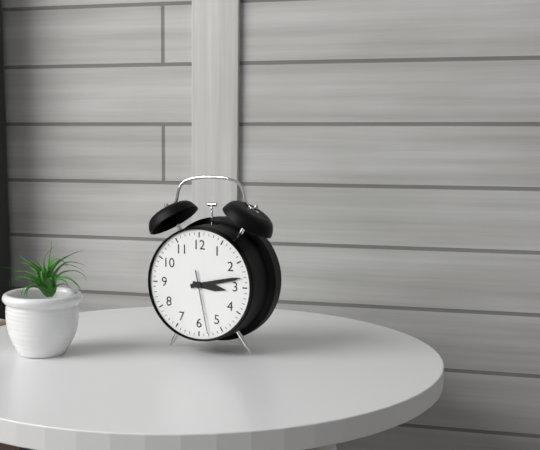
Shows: **3:13:28**
